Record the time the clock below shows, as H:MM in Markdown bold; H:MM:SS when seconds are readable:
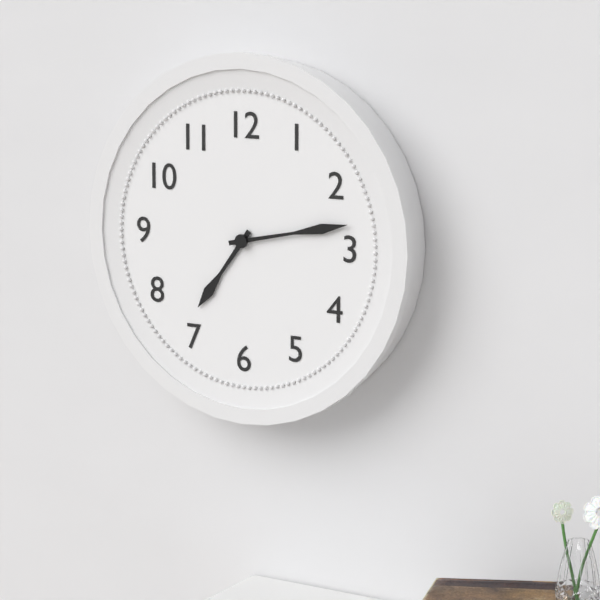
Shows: **7:13**
